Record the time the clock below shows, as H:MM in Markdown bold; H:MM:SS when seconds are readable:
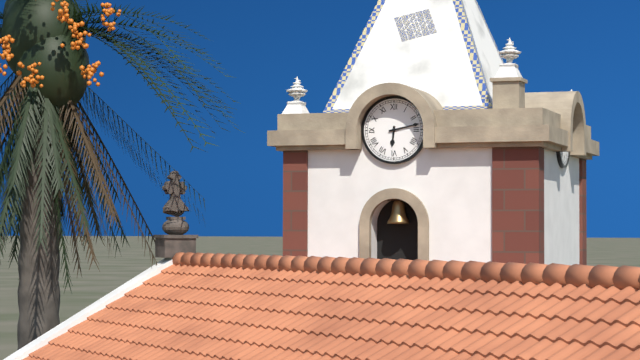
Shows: **6:13**
